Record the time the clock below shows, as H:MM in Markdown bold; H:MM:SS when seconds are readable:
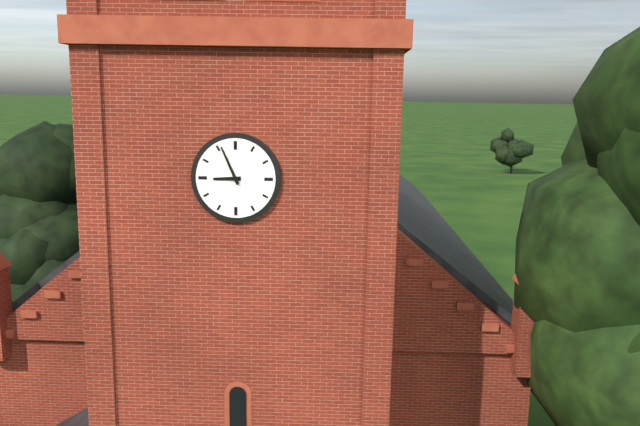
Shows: **8:56**
